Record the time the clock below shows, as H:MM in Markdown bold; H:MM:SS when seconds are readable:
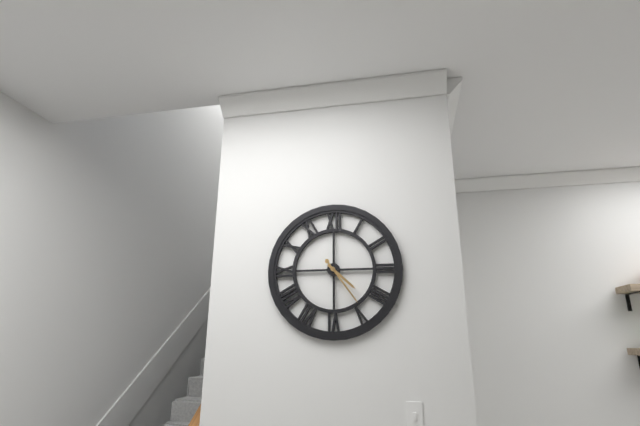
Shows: **4:24**
